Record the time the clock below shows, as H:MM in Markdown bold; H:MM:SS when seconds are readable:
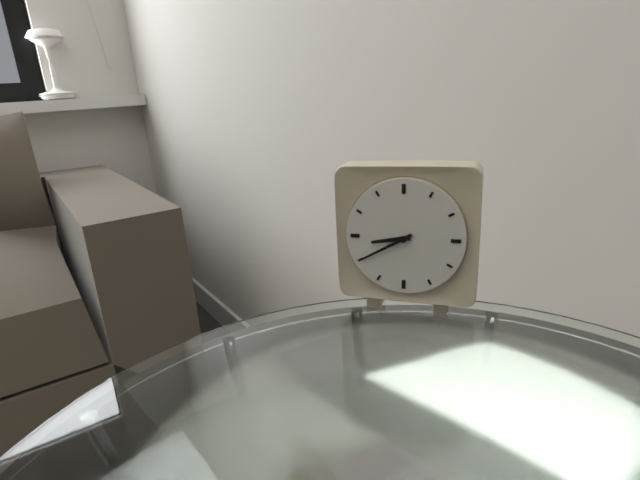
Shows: **8:40**
